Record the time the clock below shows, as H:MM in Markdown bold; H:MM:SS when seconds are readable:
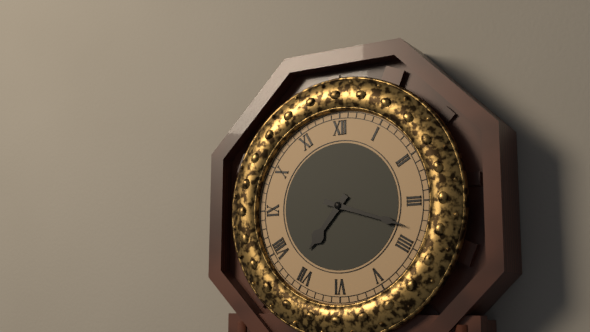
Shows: **7:18**
